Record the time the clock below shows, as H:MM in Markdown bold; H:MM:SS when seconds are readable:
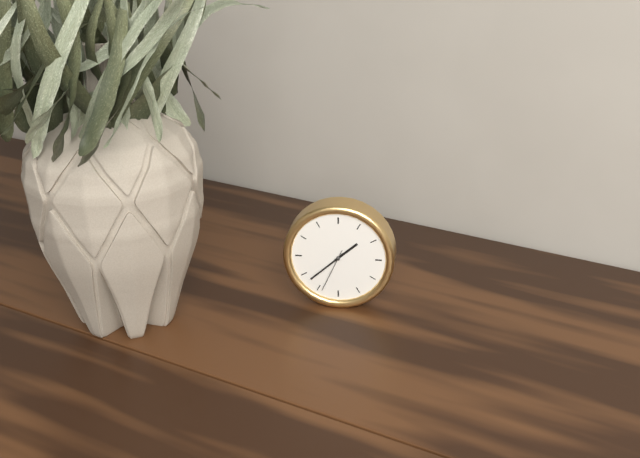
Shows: **1:38**
